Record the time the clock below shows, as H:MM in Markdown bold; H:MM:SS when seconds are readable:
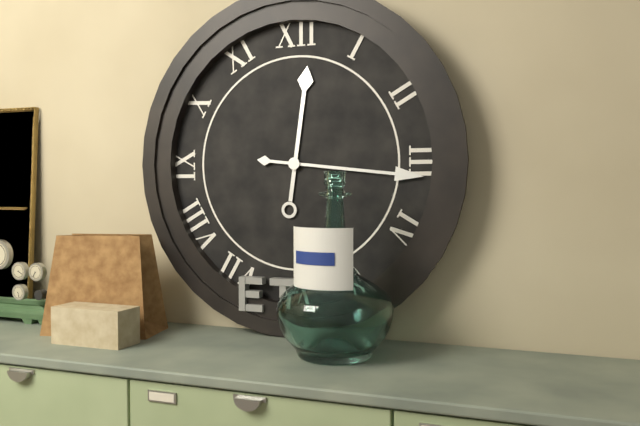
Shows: **12:16**
